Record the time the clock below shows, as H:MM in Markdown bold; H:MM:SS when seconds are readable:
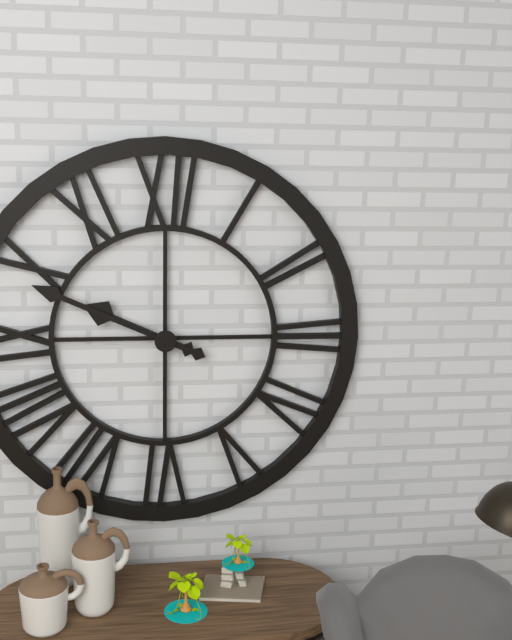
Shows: **9:49**
